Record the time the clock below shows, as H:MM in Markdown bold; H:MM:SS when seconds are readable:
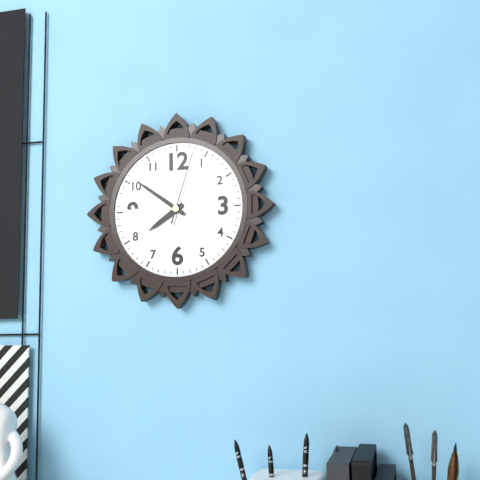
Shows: **7:51:03**
